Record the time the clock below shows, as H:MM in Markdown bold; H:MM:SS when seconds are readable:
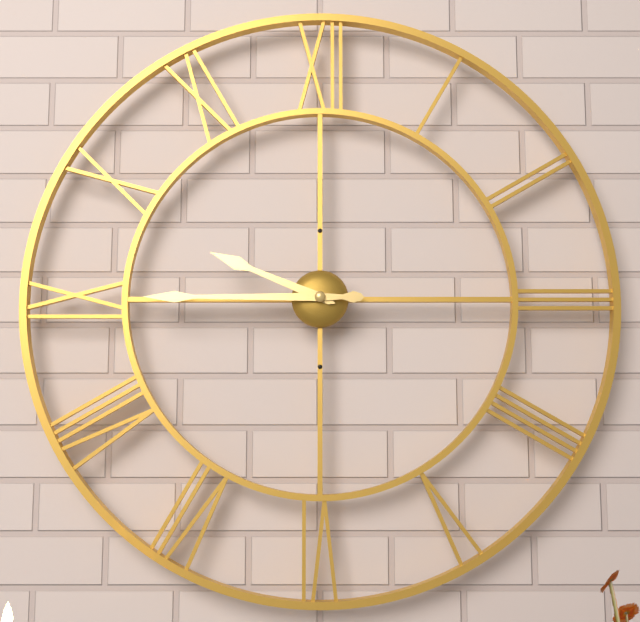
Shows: **9:45**
